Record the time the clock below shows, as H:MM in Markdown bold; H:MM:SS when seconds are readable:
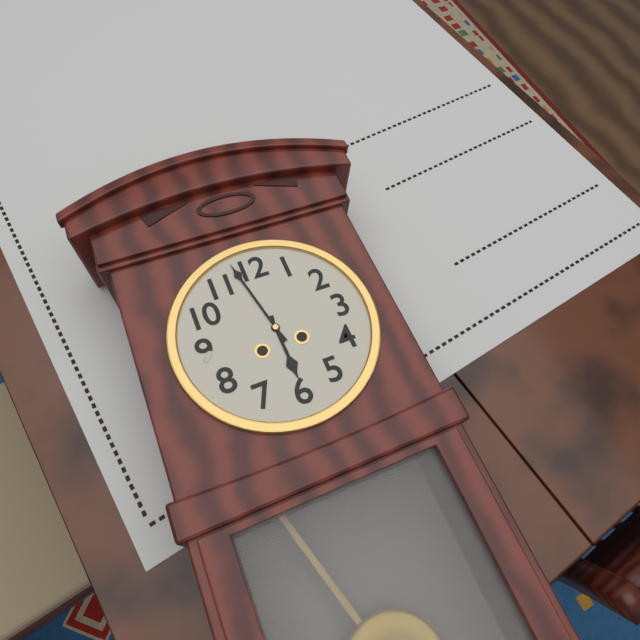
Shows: **5:58**
